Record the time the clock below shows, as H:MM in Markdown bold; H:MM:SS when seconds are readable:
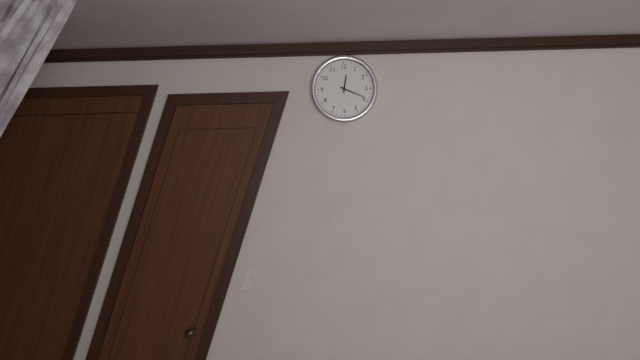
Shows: **12:19**
